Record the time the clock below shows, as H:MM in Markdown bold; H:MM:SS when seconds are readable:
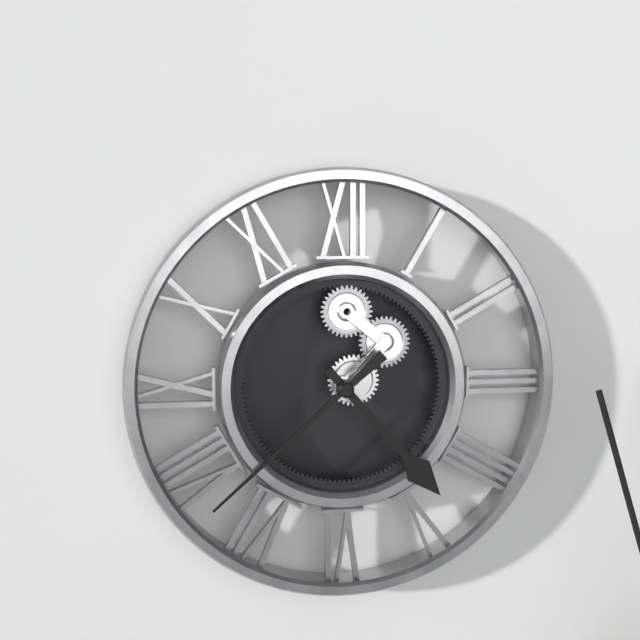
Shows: **4:38**
